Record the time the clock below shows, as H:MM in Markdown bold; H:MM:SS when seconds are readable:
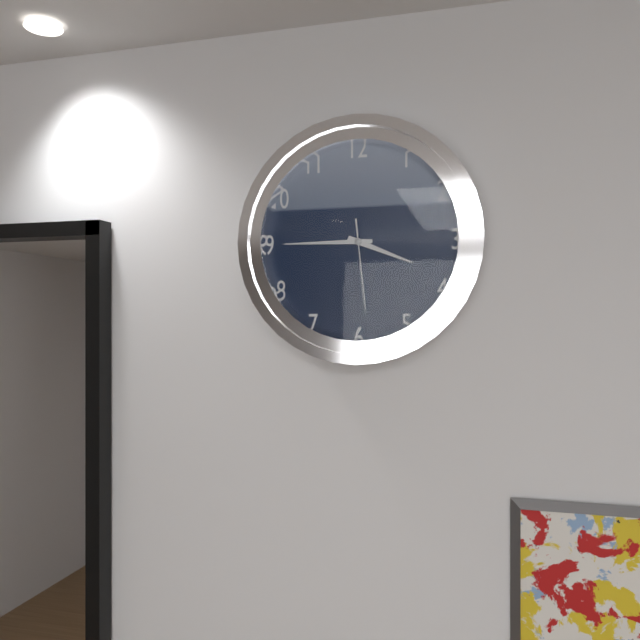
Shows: **3:45:29**
